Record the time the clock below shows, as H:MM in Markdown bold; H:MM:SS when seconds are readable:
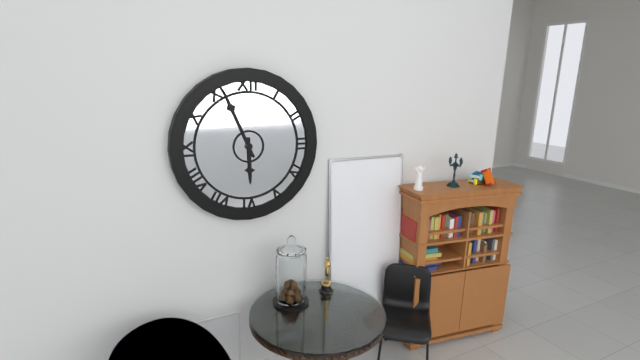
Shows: **5:56**
